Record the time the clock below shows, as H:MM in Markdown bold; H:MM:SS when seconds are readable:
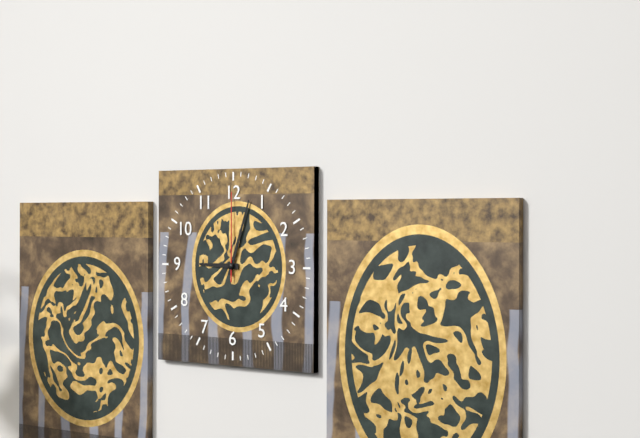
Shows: **9:03:00**
